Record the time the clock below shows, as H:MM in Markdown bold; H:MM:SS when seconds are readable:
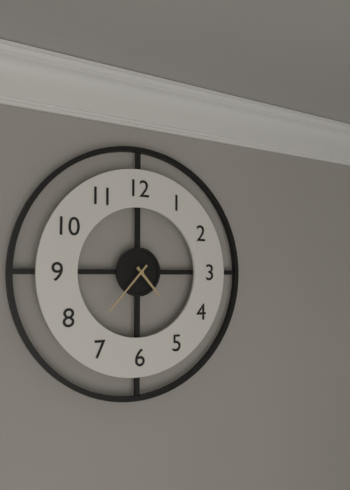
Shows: **4:37**
